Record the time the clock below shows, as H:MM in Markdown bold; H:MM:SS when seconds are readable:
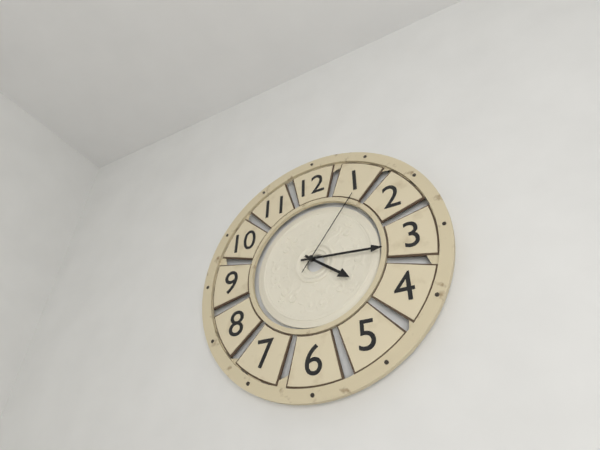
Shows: **4:16:06**
